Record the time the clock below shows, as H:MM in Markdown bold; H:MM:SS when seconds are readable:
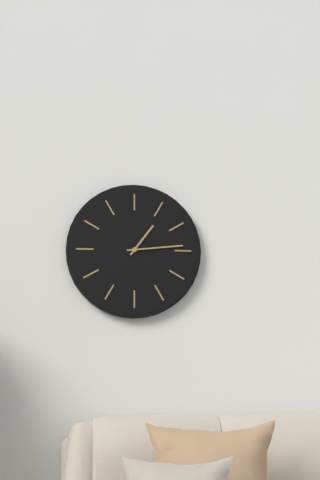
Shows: **1:14**
